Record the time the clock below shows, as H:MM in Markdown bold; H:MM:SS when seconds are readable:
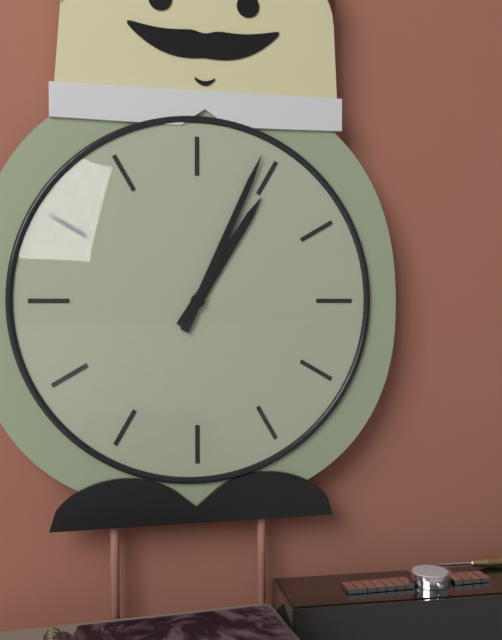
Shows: **1:04**
